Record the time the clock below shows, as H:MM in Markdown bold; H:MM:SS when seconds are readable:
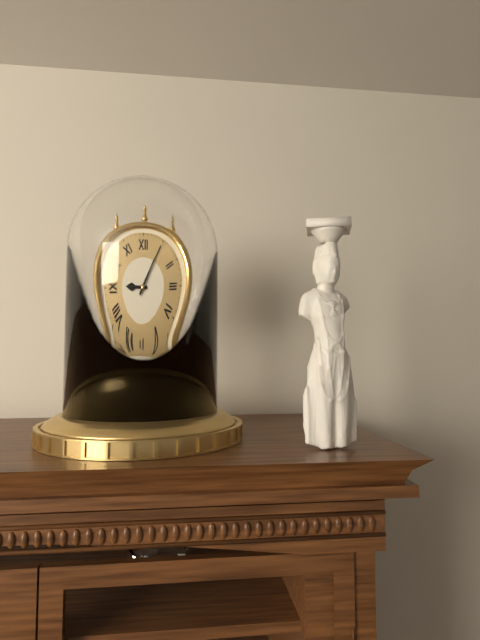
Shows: **9:05**
